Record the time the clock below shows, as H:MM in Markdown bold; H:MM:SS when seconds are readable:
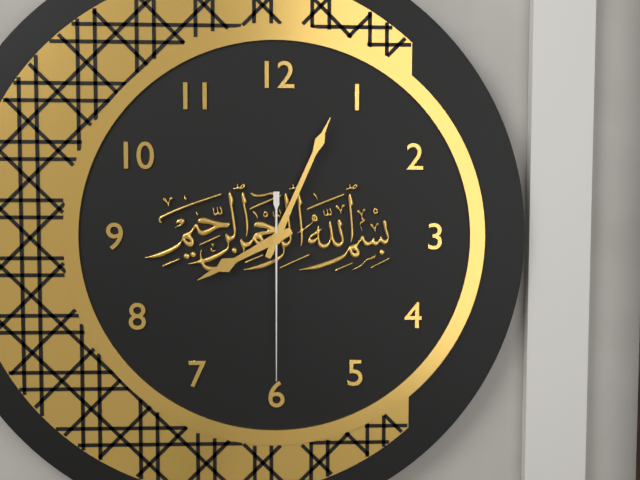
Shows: **8:04:30**
